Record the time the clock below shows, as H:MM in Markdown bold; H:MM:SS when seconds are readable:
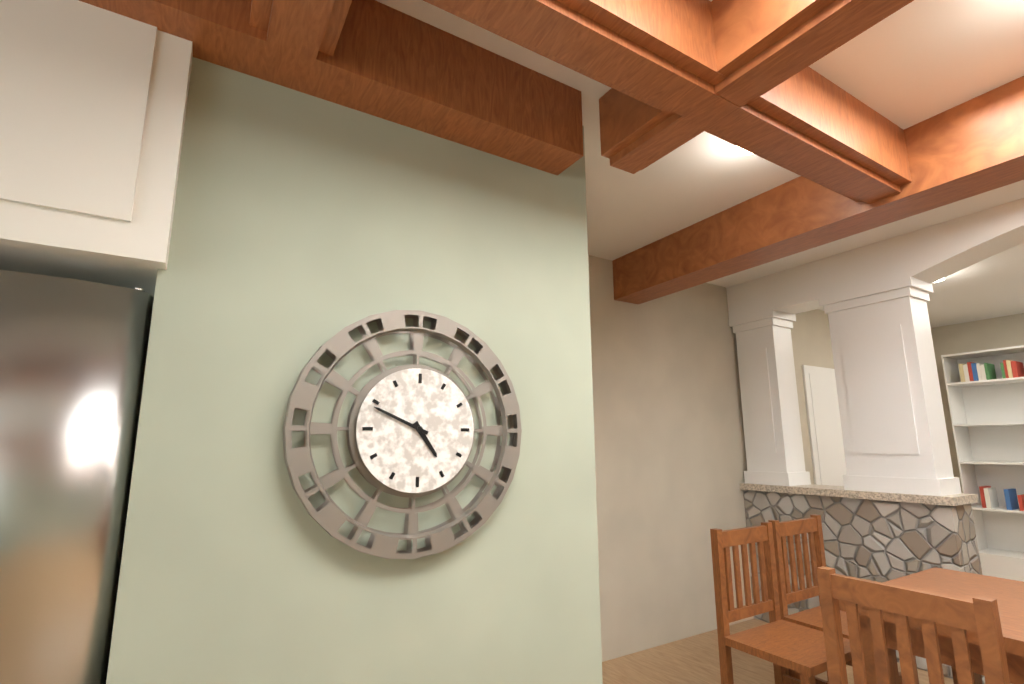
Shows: **4:49**
